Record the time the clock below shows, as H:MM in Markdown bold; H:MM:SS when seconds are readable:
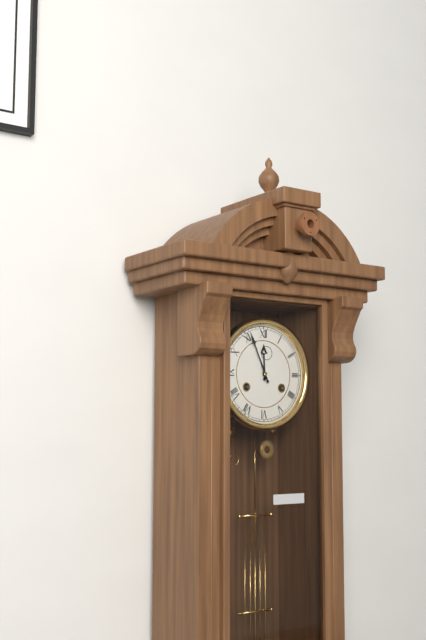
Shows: **11:56**
